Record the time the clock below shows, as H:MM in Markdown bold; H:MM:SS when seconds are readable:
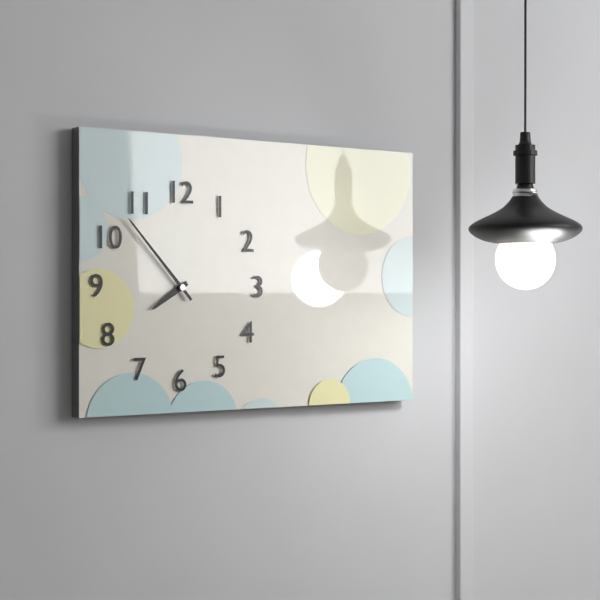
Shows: **7:53**
